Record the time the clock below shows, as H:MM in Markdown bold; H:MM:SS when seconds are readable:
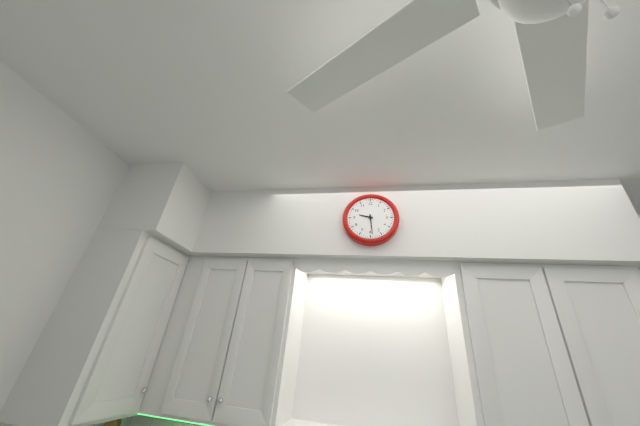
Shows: **9:29**
